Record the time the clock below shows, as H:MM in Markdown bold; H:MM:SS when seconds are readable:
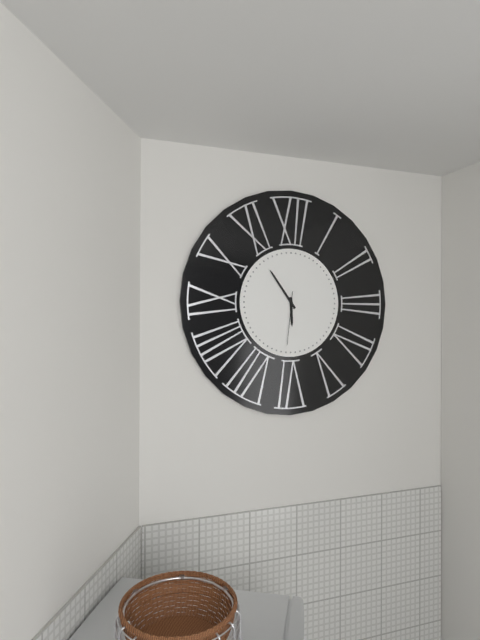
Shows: **5:54:31**
